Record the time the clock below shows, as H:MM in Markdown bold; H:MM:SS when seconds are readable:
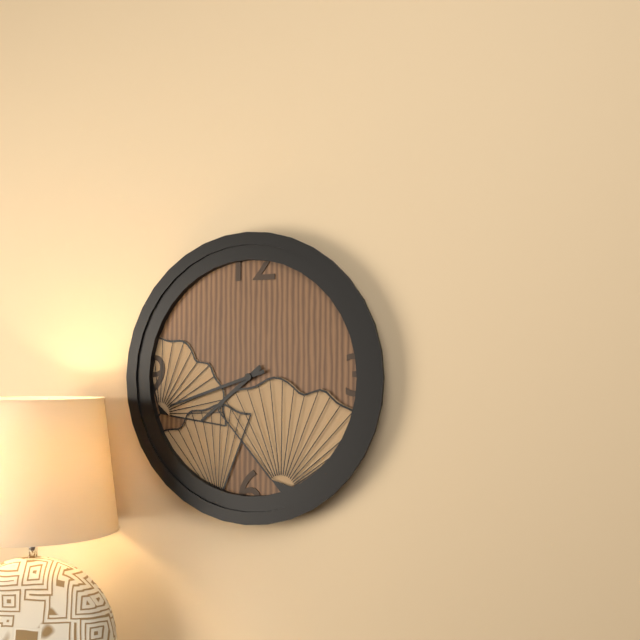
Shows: **7:42**
